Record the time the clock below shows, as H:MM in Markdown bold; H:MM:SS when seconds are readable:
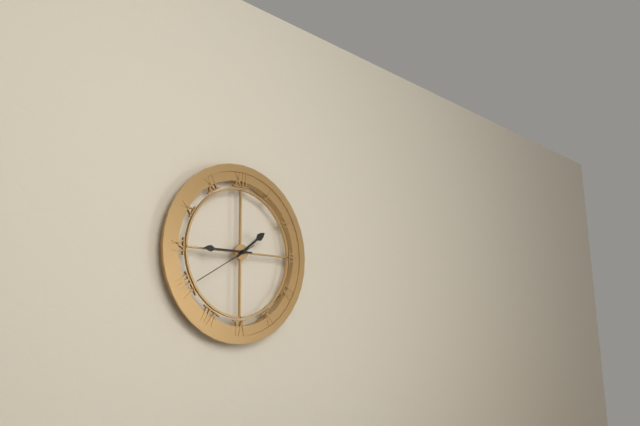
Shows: **1:45:40**
